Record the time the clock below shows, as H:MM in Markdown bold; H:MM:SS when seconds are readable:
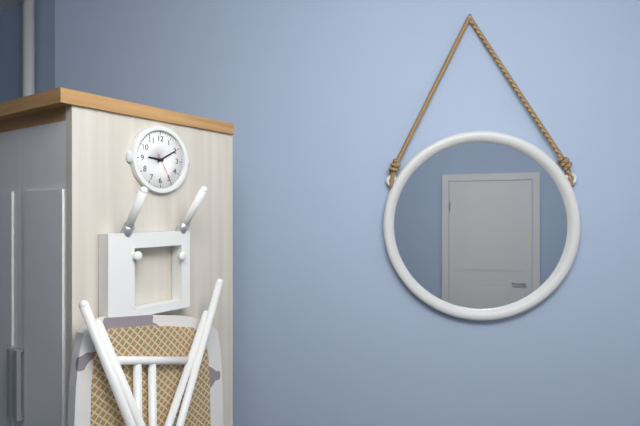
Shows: **9:10**
